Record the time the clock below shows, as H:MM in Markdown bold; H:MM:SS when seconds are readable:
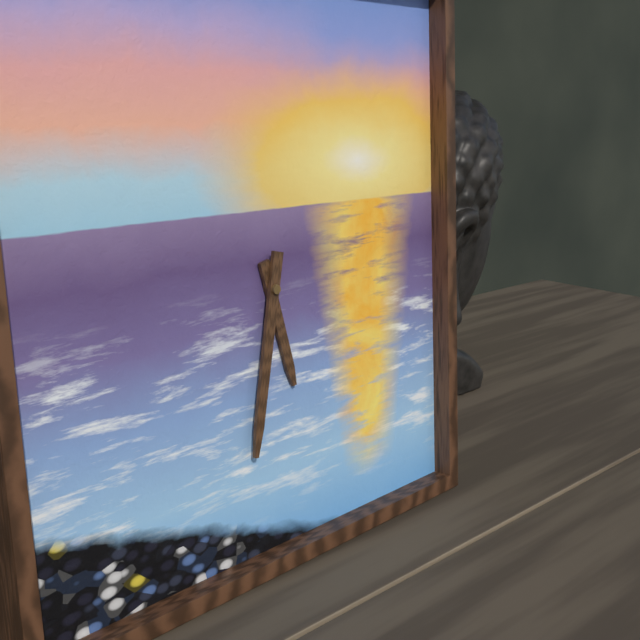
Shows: **5:32**
